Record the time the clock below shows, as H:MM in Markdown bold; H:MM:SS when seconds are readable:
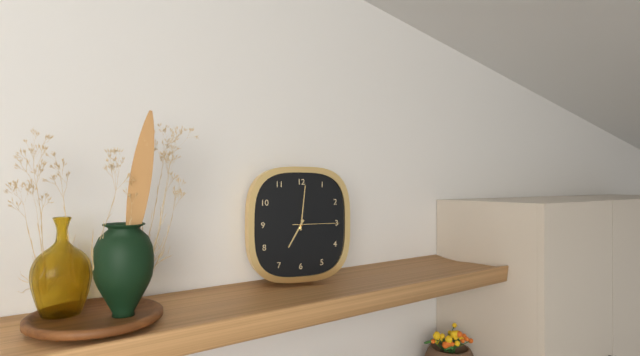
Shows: **7:01**
